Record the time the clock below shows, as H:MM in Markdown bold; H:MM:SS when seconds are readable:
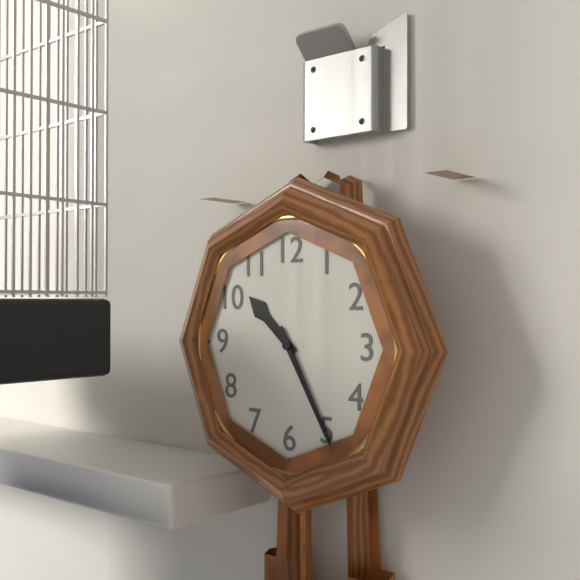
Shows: **10:25**
